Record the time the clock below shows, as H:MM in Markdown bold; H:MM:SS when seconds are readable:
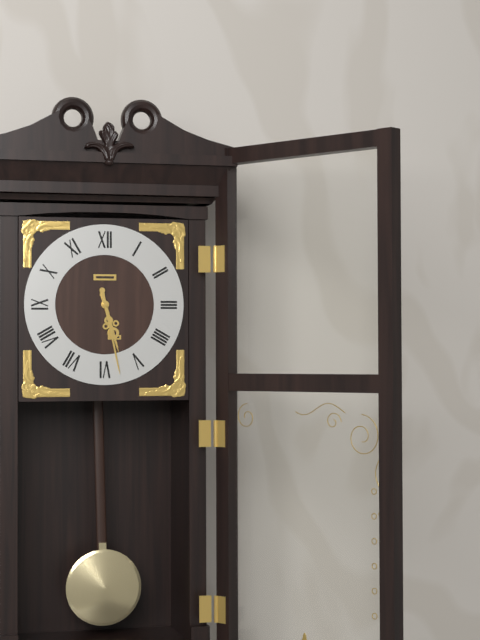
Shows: **5:28**
